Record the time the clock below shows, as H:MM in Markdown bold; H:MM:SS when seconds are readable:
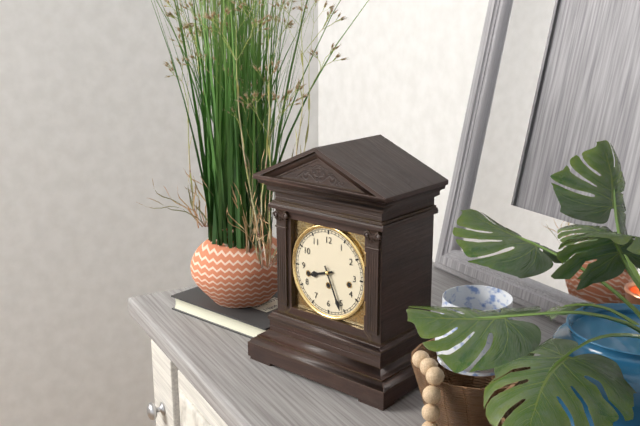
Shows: **8:26**
